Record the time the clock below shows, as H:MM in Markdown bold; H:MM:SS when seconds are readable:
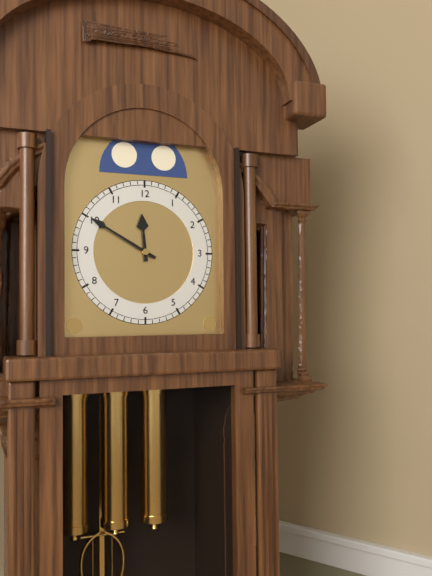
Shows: **11:50**
